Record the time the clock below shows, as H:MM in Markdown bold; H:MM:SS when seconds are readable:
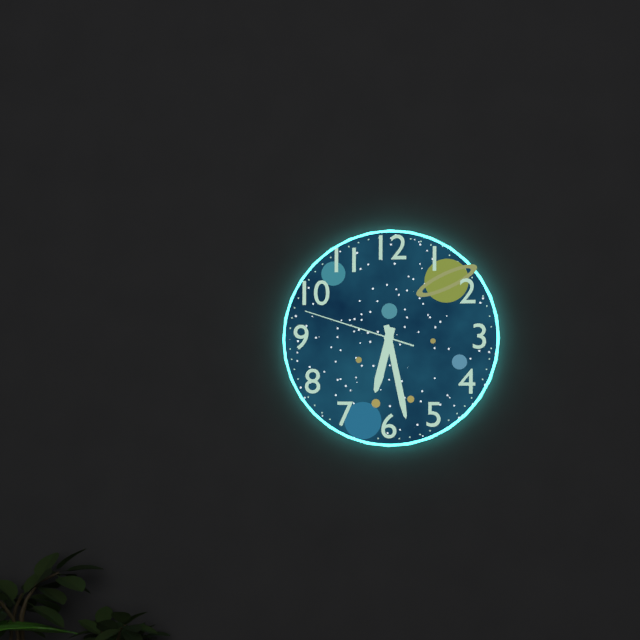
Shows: **6:28:48**
